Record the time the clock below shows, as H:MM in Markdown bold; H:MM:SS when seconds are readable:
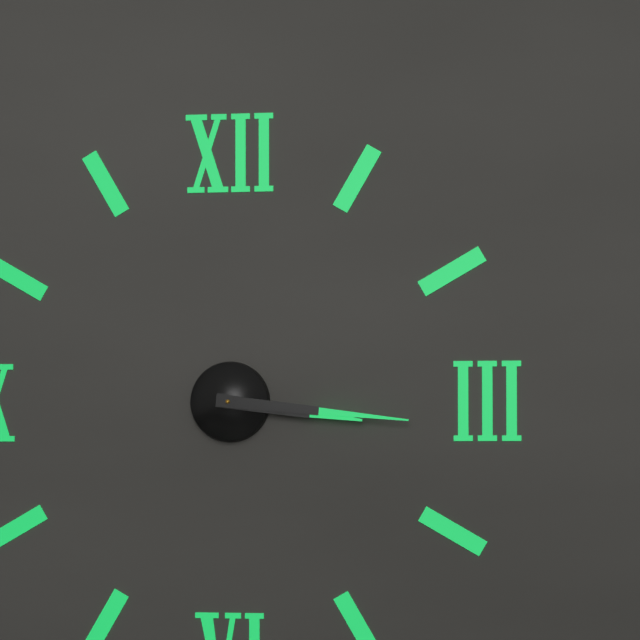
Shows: **3:16**
